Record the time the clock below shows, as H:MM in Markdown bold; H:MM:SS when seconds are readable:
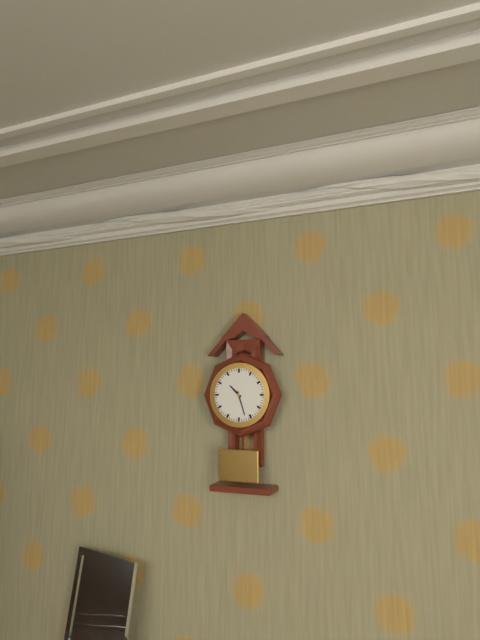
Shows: **10:27**
